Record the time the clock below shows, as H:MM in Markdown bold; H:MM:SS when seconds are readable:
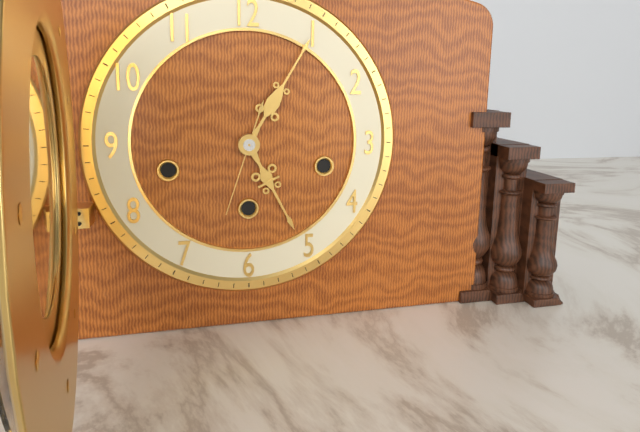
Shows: **5:05:33**
